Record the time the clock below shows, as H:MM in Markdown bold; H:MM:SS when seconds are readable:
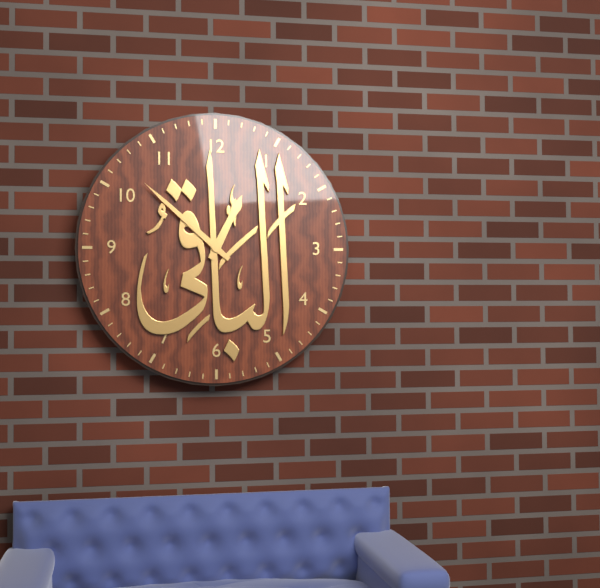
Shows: **12:52**
